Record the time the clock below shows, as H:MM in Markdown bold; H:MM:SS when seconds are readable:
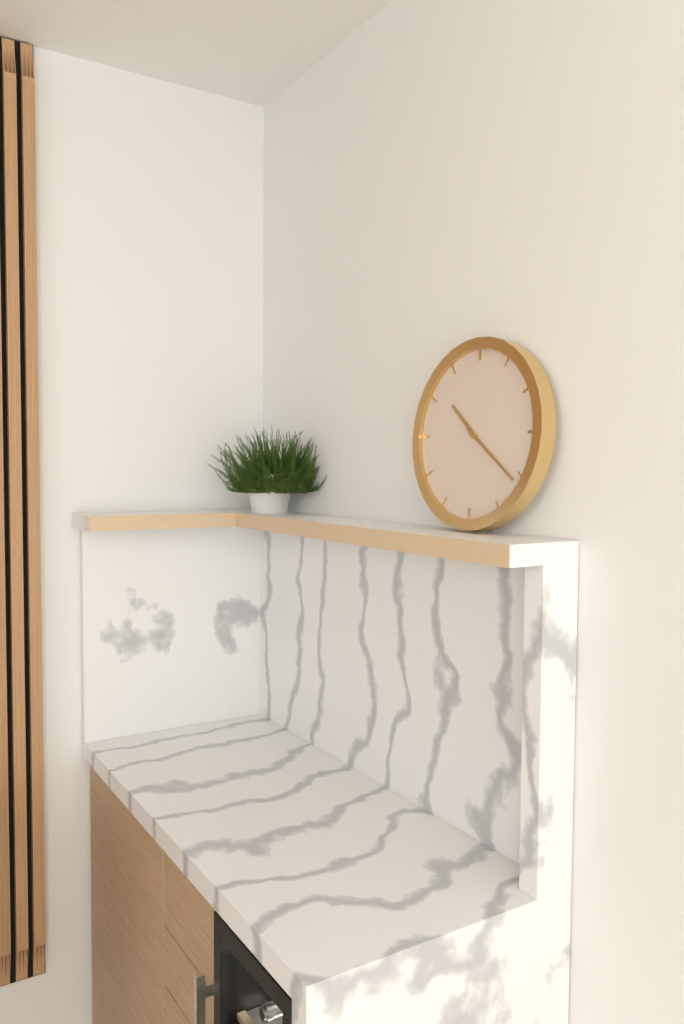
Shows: **10:21**
